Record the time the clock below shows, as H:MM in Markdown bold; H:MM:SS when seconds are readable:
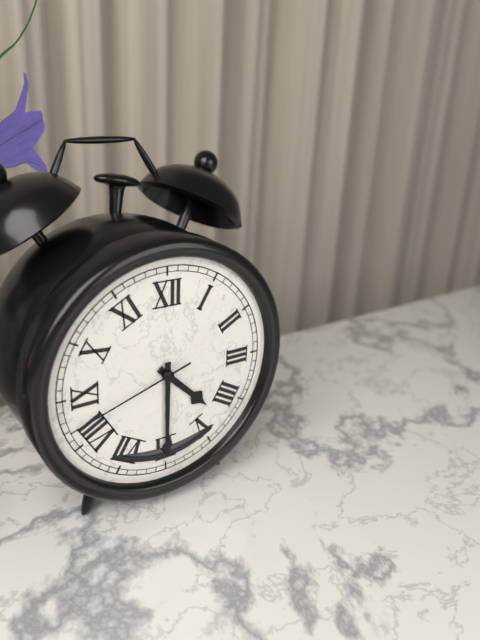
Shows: **4:30:42**
